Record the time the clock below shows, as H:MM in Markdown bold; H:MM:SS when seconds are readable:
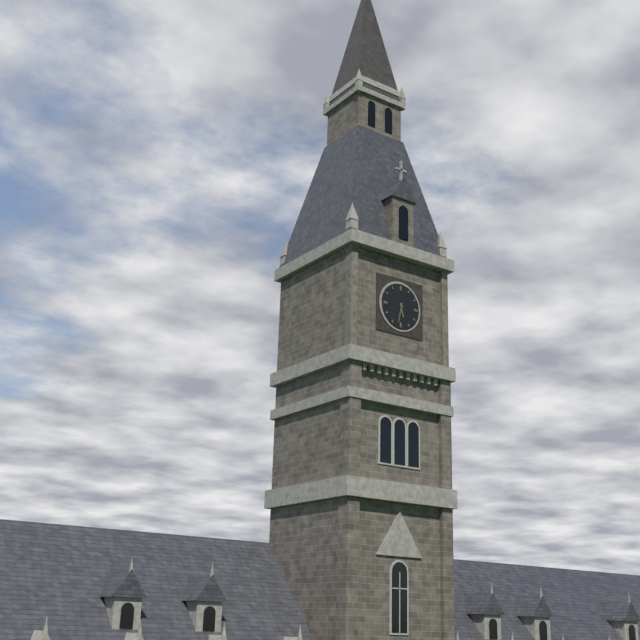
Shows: **5:32**
